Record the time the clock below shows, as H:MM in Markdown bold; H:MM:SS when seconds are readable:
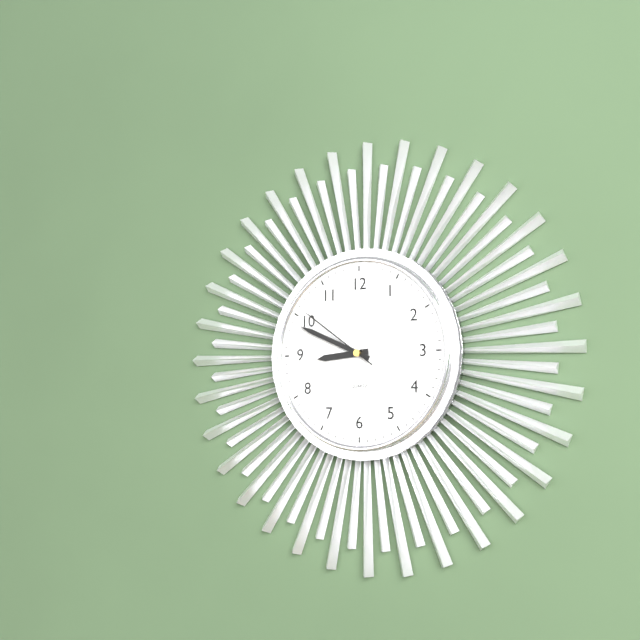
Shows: **8:49:51**
